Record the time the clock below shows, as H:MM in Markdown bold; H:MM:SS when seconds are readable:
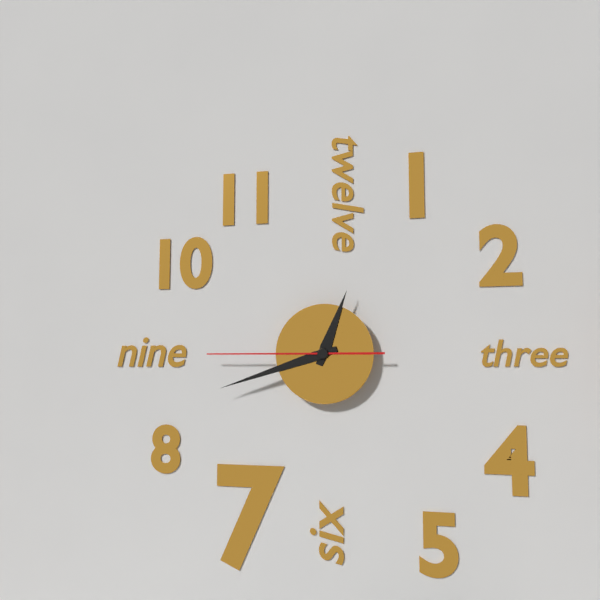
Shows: **12:42:45**
